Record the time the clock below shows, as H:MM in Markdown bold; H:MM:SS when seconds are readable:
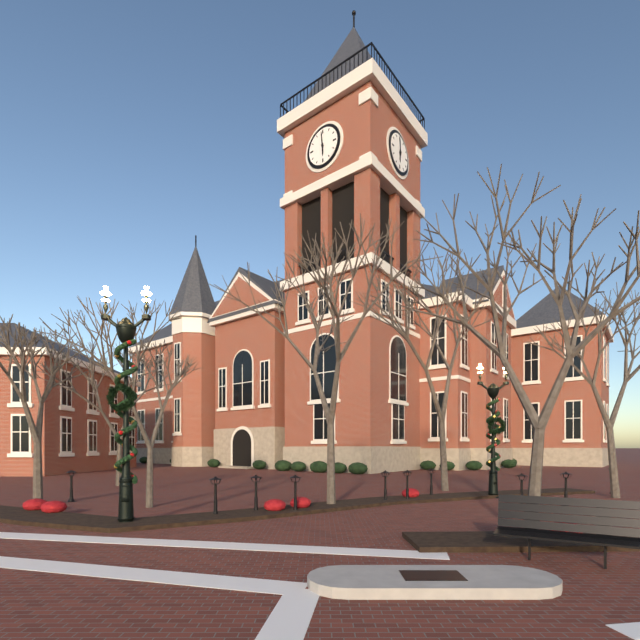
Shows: **5:59**
